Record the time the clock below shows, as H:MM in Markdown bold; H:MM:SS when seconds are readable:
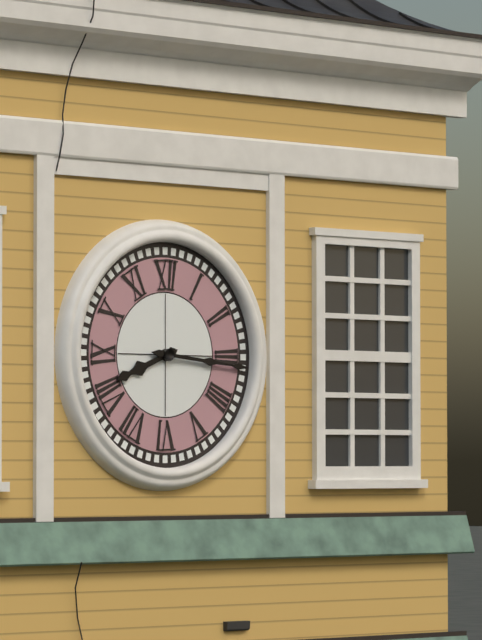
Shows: **8:16**
